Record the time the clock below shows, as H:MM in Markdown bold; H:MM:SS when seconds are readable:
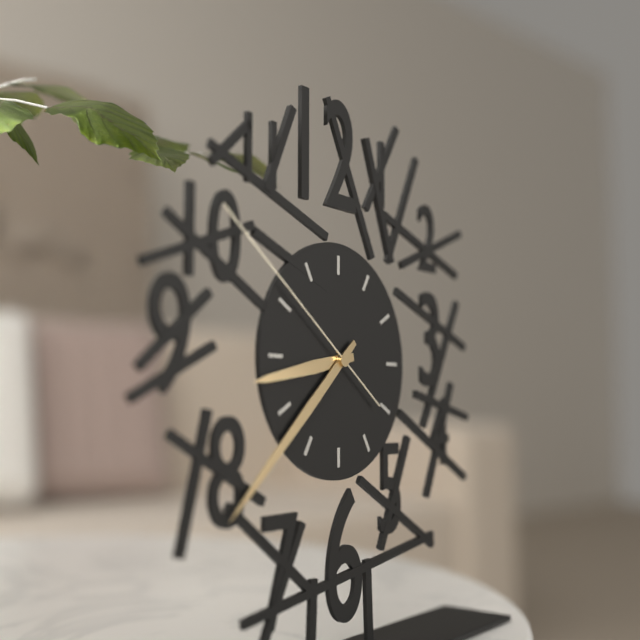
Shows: **8:38:51**
